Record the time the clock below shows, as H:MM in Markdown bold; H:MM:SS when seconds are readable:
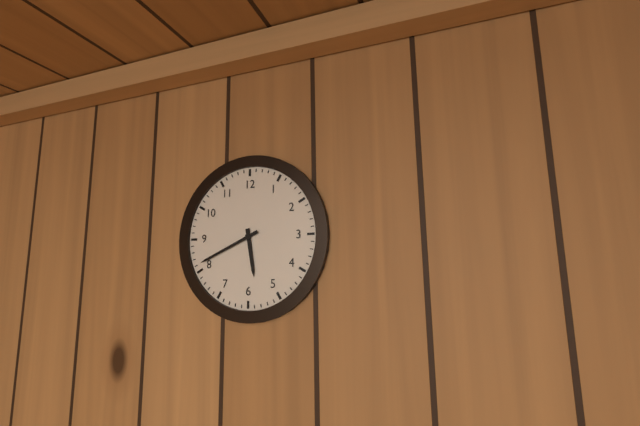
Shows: **5:41**
